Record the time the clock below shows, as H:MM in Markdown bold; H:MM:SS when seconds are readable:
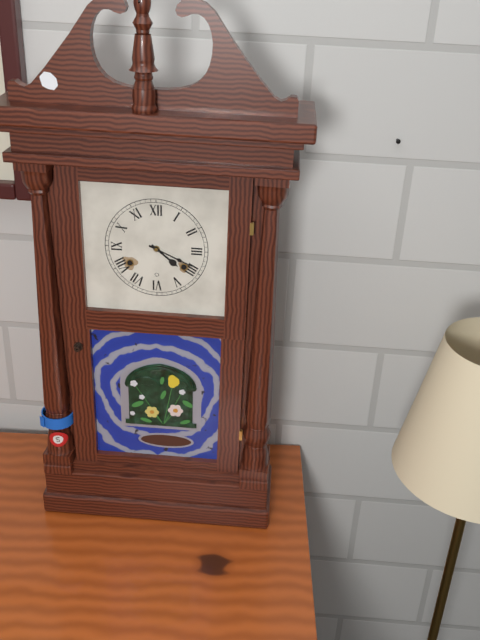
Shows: **4:19**
